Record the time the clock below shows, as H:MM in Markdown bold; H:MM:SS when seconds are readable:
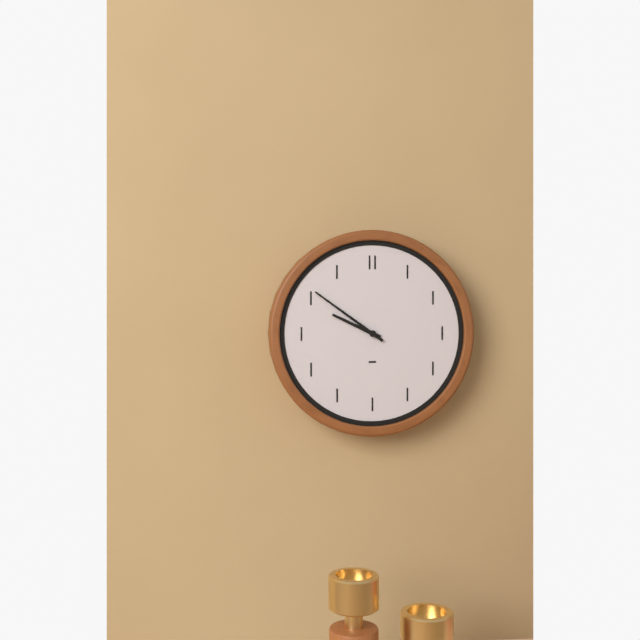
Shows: **9:51**
